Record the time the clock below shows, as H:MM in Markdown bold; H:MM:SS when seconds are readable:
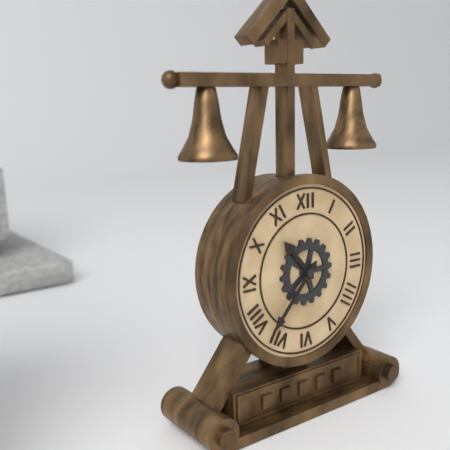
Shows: **10:37**
